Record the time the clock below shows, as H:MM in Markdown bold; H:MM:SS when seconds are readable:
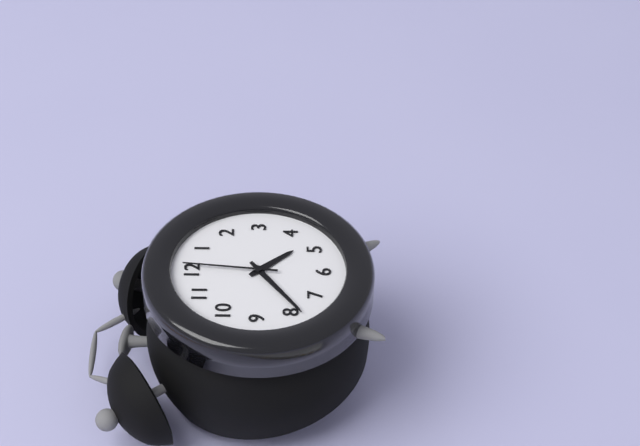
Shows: **4:39:01**
